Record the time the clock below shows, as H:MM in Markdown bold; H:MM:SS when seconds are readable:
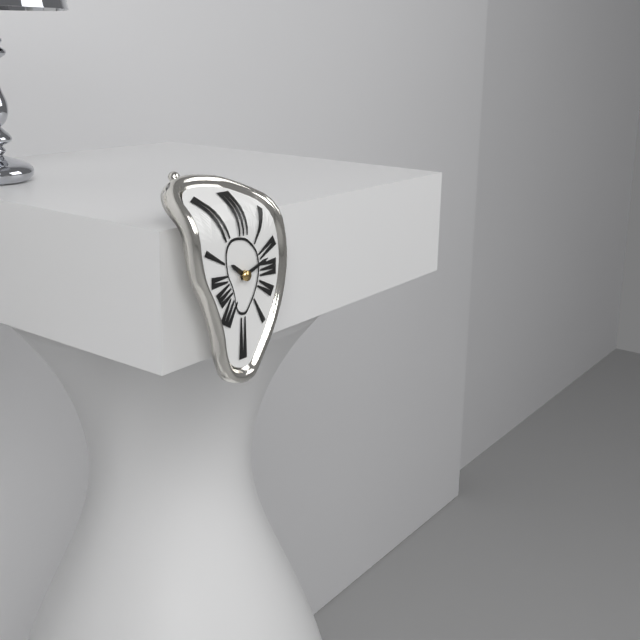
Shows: **10:12**
